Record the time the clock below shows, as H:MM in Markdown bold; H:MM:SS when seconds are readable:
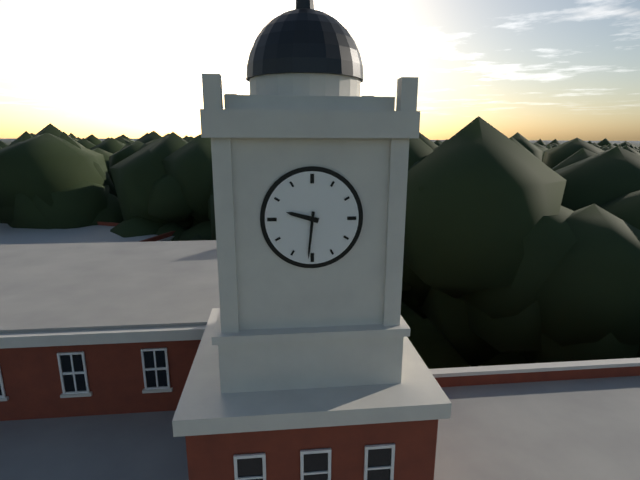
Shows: **9:31**
